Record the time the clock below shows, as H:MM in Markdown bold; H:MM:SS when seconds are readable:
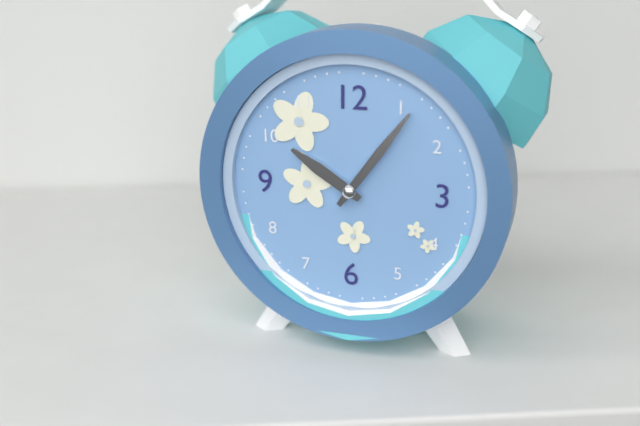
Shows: **10:06**
